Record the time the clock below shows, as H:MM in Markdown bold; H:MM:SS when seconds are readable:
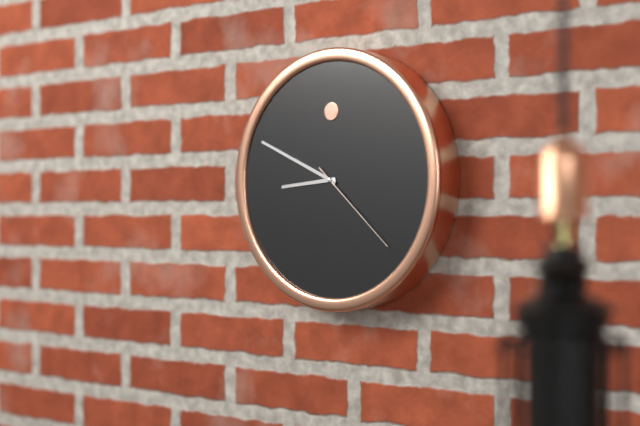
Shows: **8:49:22**
